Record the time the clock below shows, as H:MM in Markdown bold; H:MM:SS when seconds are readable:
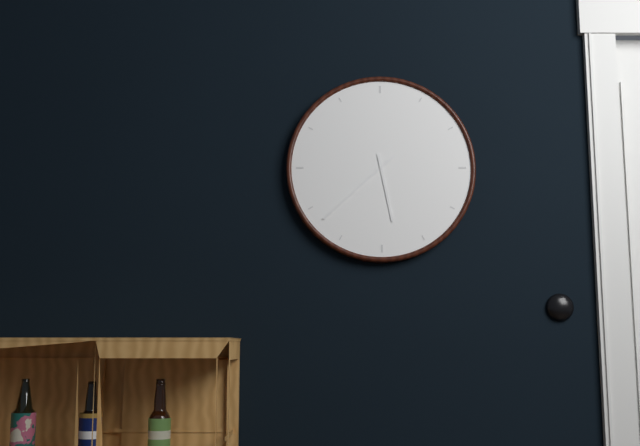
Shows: **5:38**
